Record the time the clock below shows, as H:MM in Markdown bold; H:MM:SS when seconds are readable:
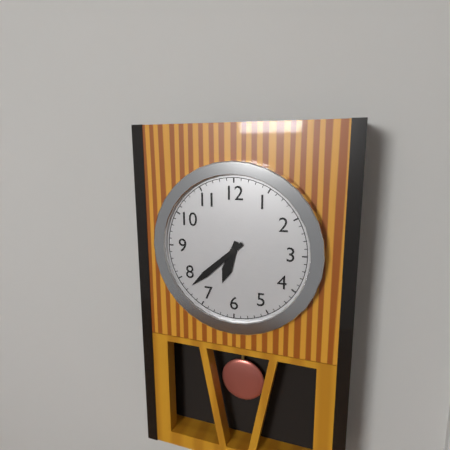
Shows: **6:38**
